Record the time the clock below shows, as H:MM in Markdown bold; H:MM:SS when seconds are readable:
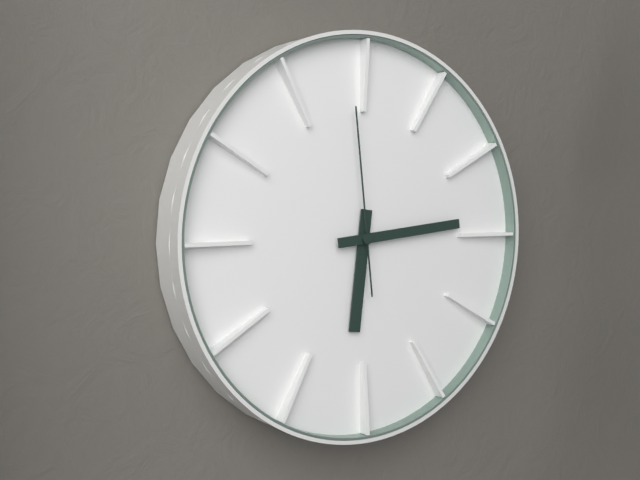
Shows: **6:14:59**
